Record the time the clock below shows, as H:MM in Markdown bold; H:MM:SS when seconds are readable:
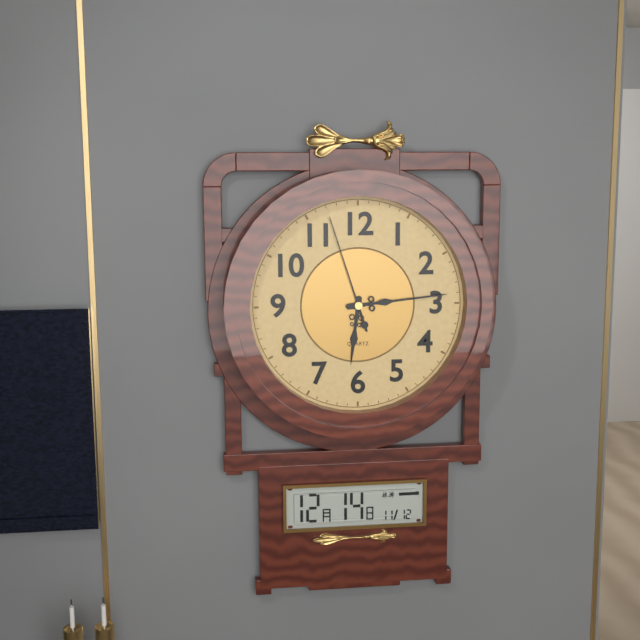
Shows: **6:14:57**
